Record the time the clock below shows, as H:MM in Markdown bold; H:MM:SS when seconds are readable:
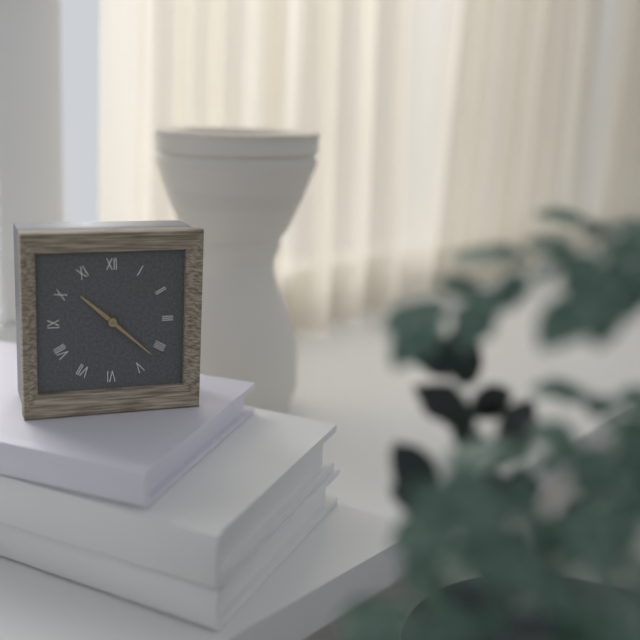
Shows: **10:22**
